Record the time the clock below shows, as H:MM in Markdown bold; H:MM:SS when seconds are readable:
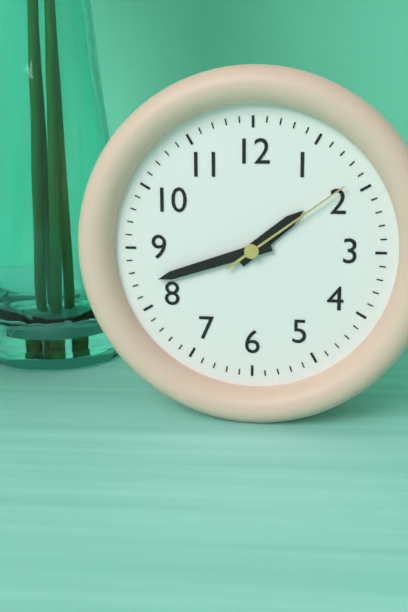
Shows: **1:42:09**
